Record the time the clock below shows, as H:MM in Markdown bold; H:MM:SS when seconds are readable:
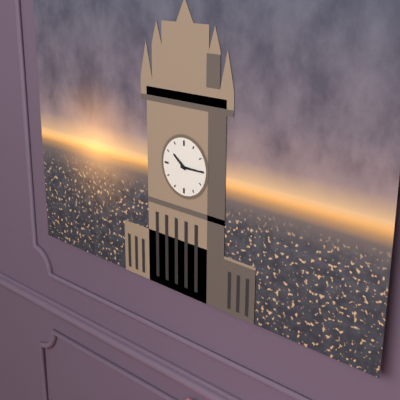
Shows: **10:15**
